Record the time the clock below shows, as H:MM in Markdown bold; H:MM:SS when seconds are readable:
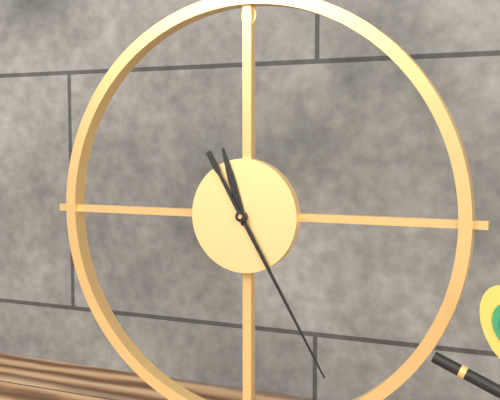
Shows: **11:25**
